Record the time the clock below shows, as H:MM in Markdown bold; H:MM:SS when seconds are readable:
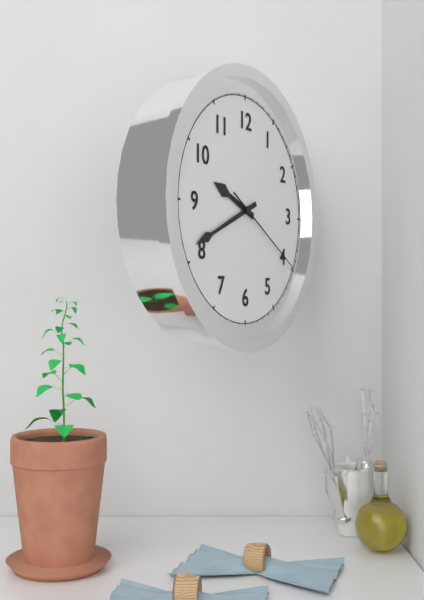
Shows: **9:41:20**
